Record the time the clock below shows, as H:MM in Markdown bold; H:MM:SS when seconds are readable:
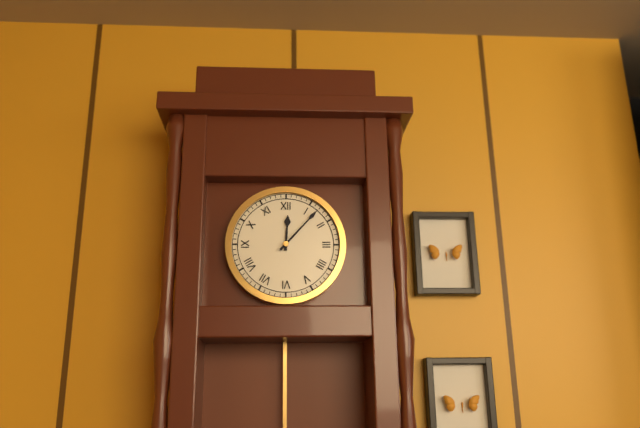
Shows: **12:07**
